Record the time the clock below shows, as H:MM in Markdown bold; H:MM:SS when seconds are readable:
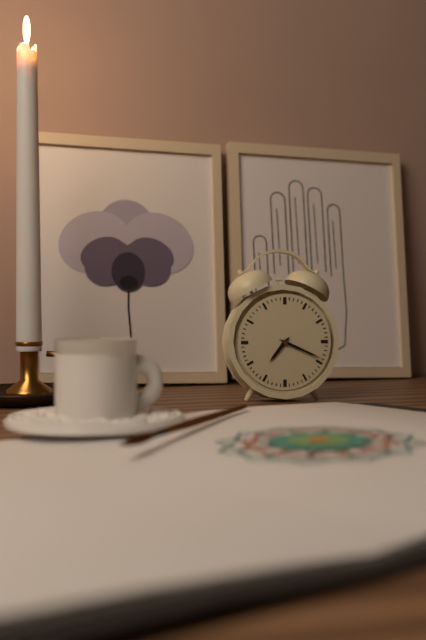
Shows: **7:19**
